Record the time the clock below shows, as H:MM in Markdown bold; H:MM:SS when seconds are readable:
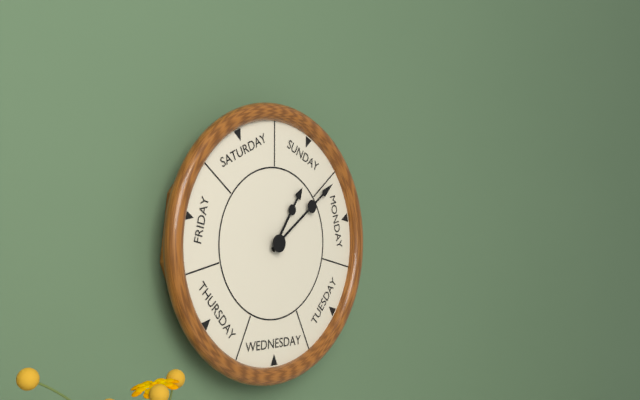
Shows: **1:09**
